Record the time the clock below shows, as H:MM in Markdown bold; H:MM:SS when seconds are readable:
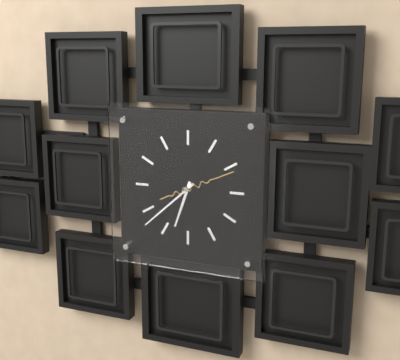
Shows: **6:38:11**
